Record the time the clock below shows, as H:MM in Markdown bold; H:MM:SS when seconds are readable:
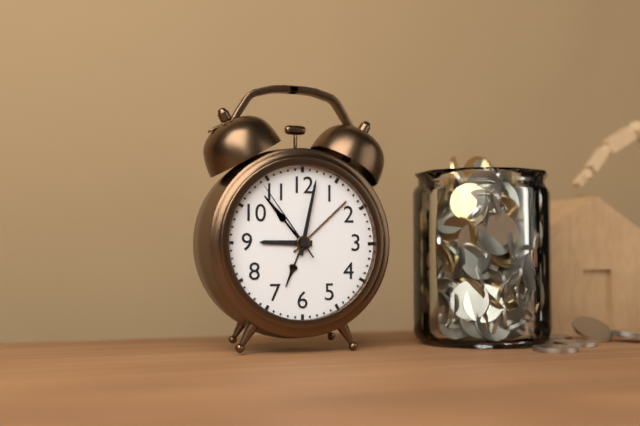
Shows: **9:02:54**
